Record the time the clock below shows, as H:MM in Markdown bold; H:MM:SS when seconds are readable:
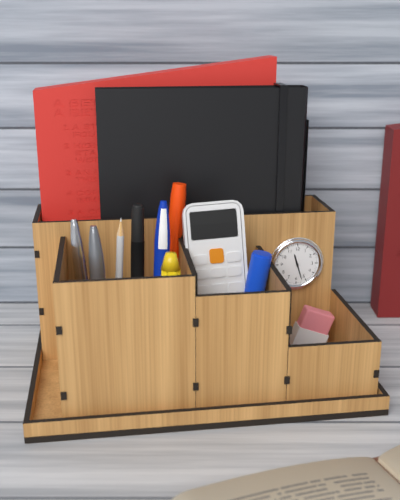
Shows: **11:27**
